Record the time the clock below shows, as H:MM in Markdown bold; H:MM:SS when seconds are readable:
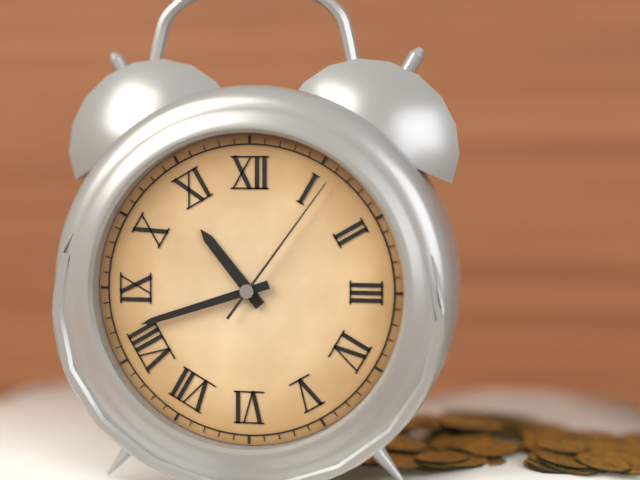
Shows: **10:42:06**
